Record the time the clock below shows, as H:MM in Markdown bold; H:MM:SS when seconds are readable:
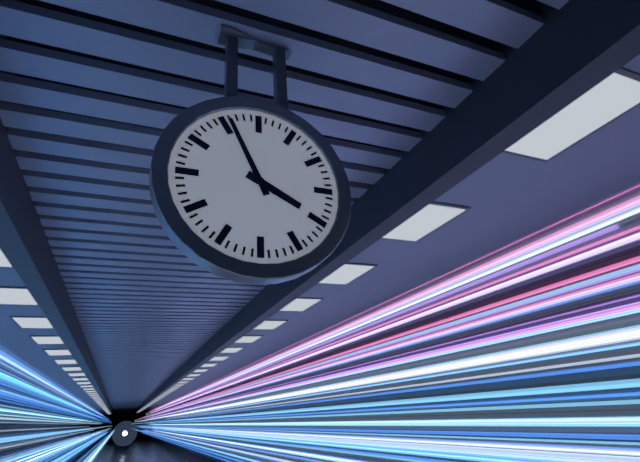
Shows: **3:56**
